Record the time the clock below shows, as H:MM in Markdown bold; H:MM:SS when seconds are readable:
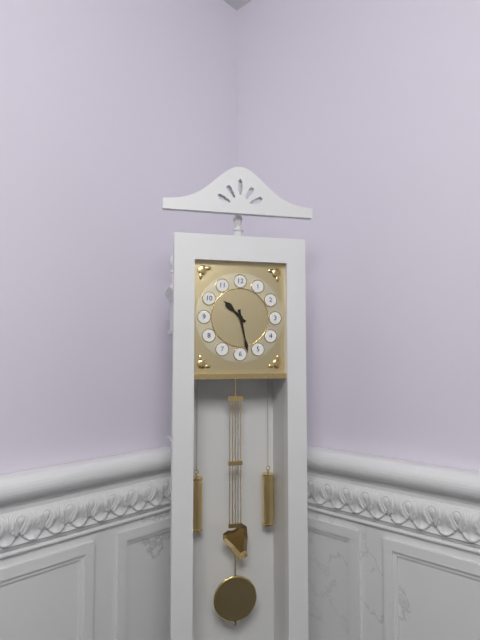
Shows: **10:28**
